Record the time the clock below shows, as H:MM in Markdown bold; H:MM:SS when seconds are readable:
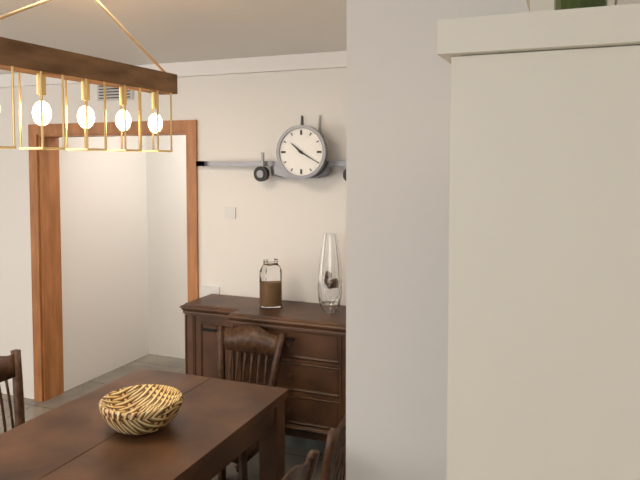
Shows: **10:20**
